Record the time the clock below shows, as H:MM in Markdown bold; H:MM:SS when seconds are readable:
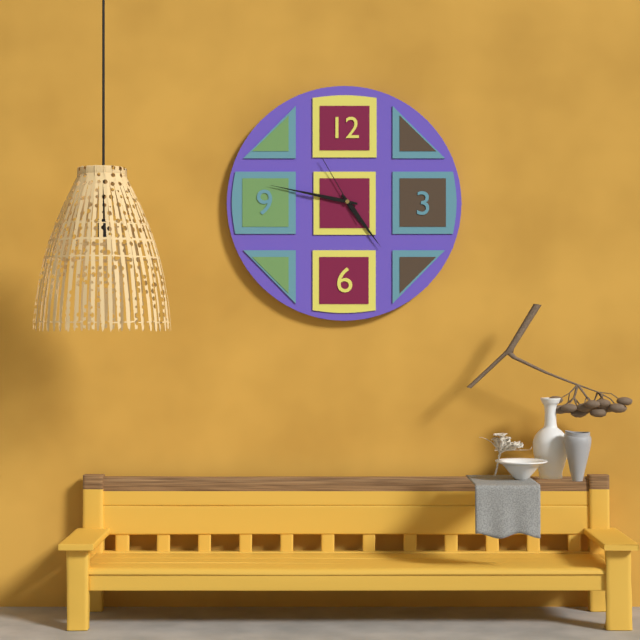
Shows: **4:47:55**
